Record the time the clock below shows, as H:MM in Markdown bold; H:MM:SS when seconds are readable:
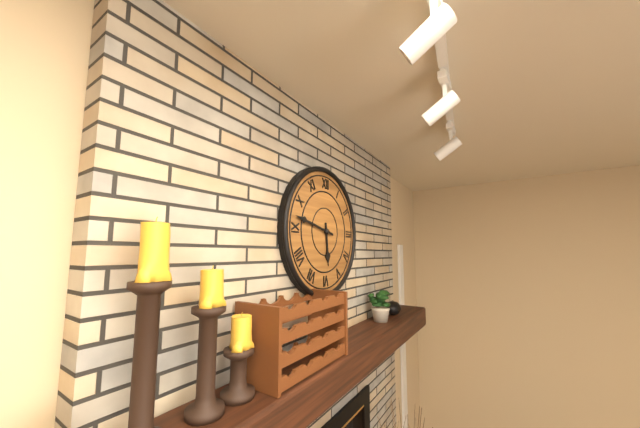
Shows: **5:47**
